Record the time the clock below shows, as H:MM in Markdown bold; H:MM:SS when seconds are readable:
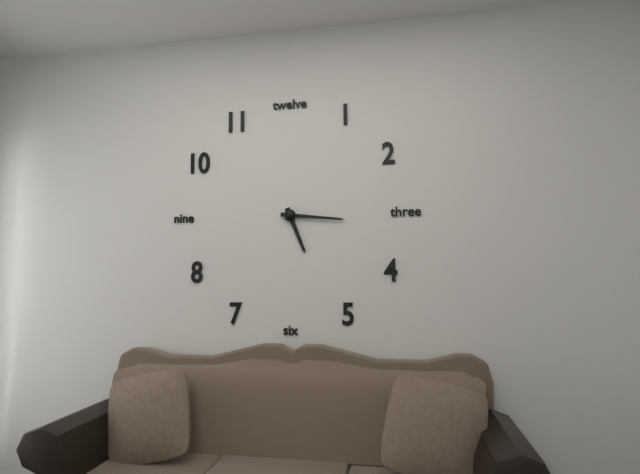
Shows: **5:16**
